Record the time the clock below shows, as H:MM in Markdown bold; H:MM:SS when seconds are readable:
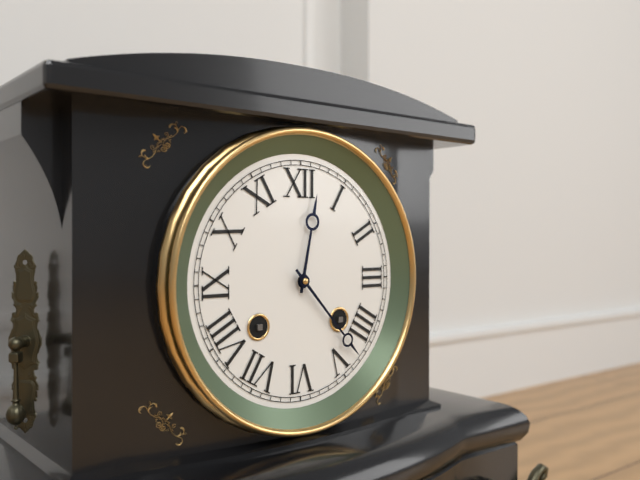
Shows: **12:23**
